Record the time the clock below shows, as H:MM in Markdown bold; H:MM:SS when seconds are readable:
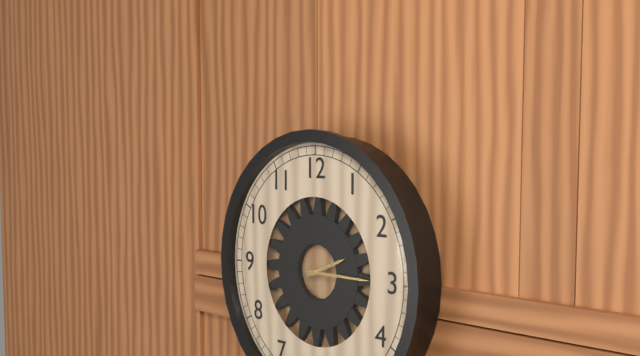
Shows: **2:15**
